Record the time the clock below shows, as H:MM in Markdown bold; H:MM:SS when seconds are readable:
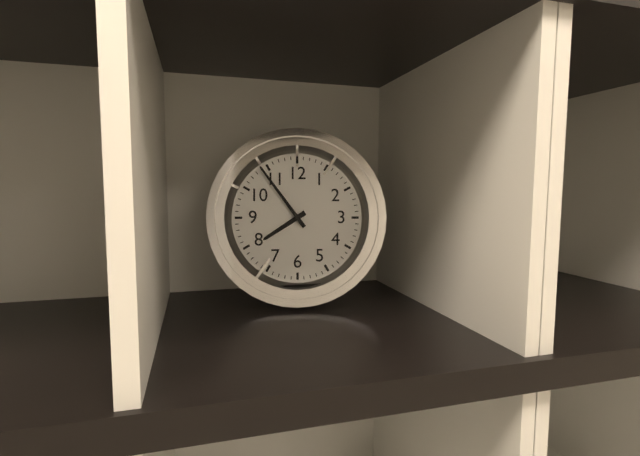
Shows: **7:54**
